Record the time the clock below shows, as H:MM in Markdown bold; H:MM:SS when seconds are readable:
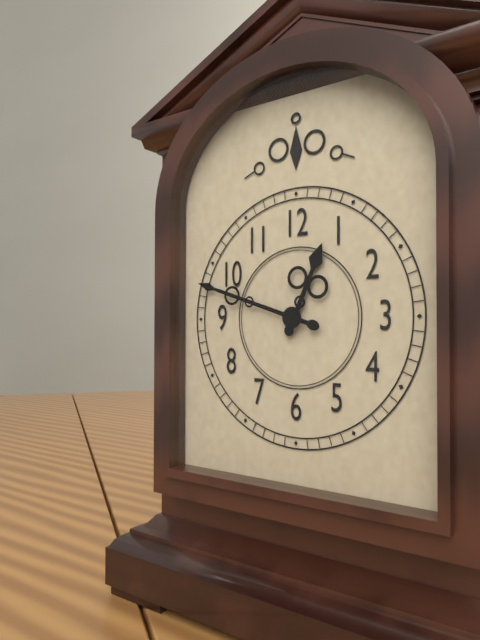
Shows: **12:48**
